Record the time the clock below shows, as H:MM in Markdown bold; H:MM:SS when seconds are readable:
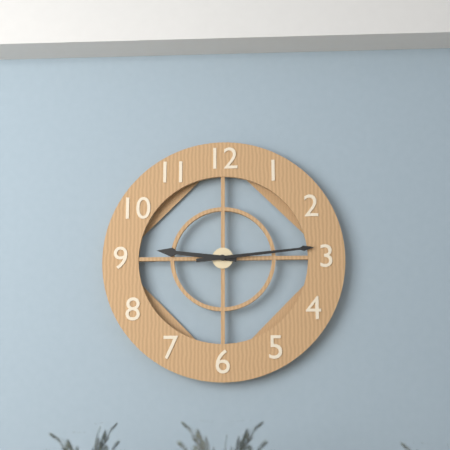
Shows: **9:14**
